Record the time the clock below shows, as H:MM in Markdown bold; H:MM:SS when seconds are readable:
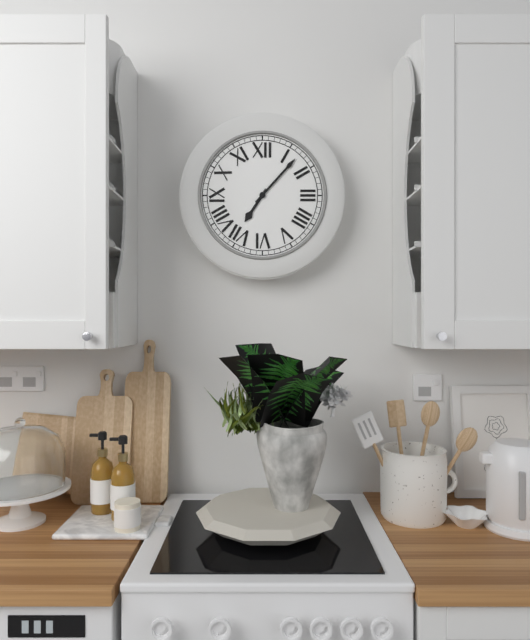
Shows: **7:07**
